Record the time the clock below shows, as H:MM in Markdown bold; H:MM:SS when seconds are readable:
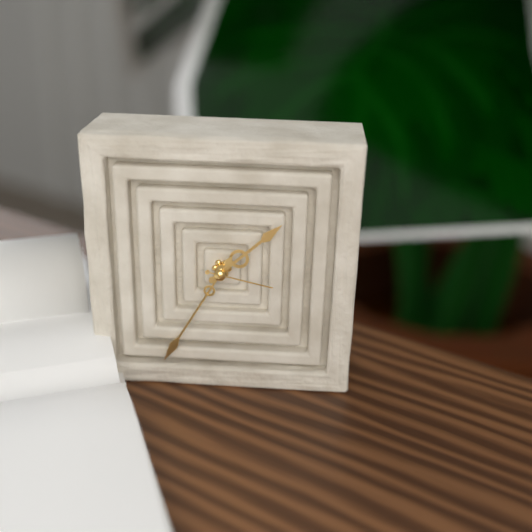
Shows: **1:35:17**
